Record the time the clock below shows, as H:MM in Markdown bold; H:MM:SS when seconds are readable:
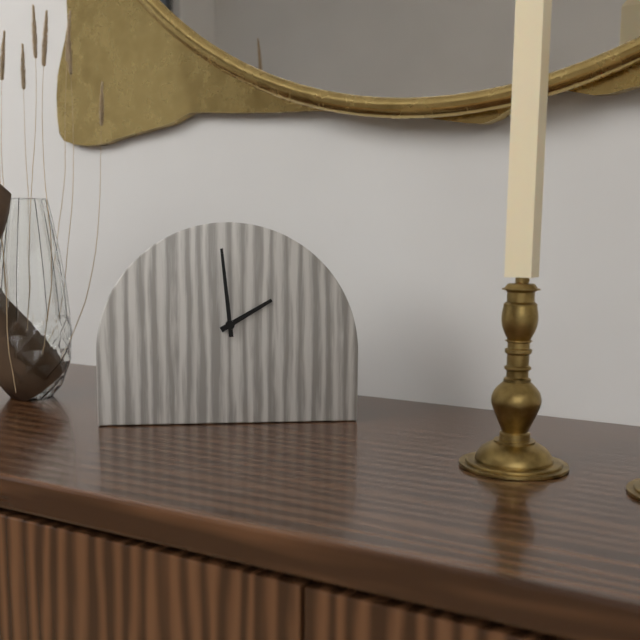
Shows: **1:59**
